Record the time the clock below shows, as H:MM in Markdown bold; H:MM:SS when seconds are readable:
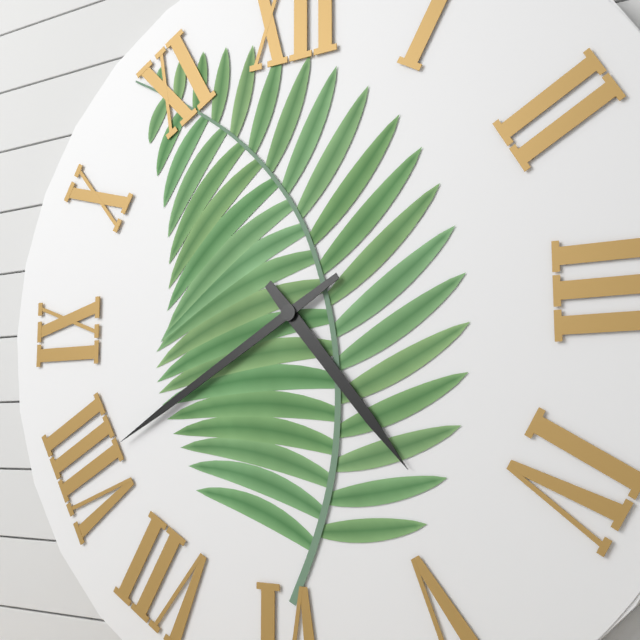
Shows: **4:40**
